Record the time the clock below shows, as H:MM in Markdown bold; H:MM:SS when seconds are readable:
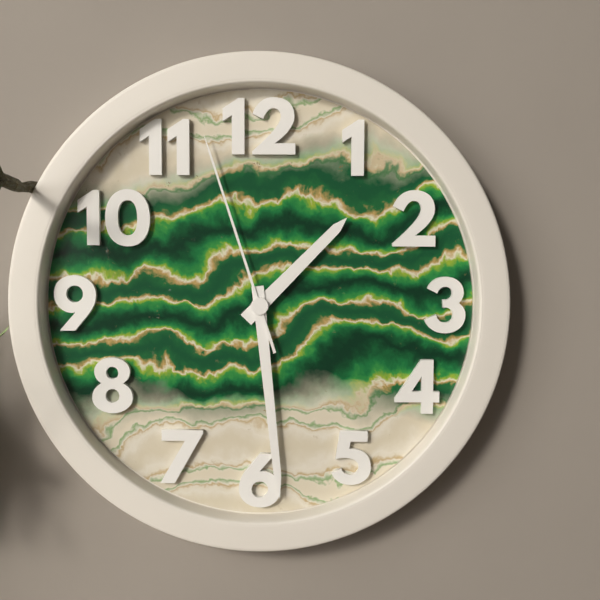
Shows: **1:29:57**
